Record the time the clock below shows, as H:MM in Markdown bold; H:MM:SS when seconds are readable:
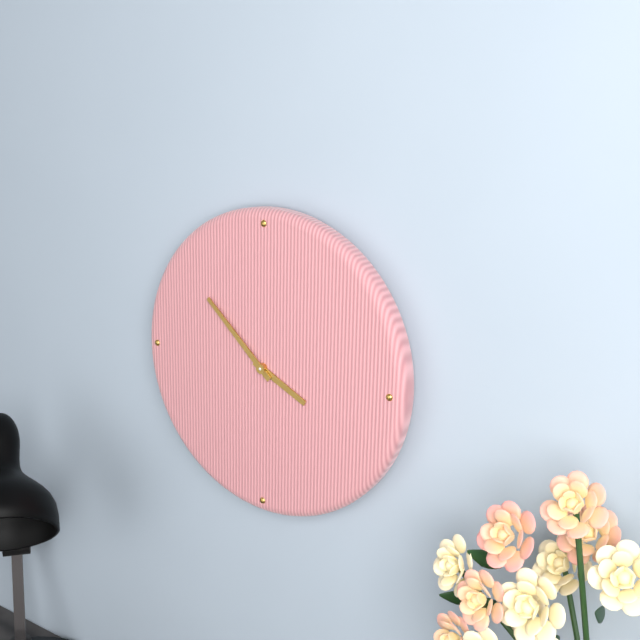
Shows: **3:52**
